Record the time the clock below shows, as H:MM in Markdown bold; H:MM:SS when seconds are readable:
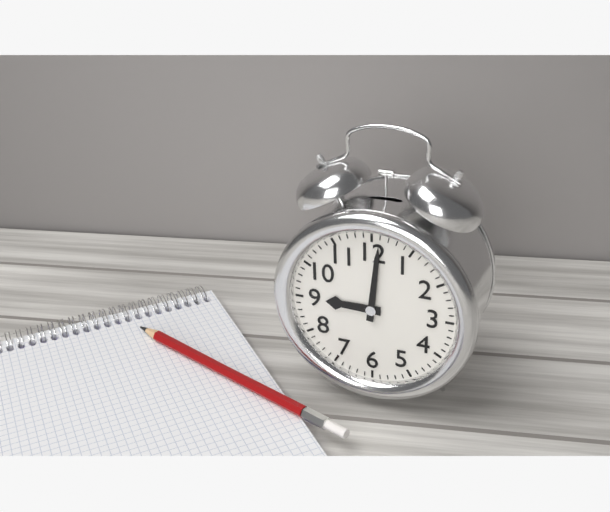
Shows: **9:01**
